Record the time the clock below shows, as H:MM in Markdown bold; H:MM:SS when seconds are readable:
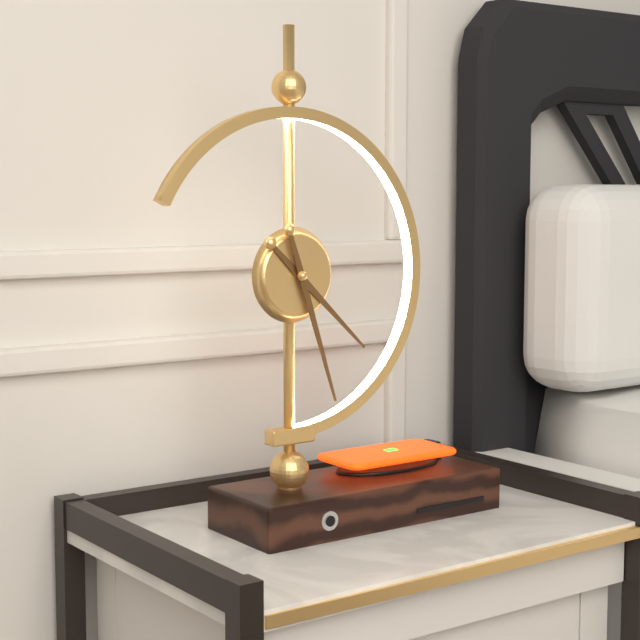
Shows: **4:27**
